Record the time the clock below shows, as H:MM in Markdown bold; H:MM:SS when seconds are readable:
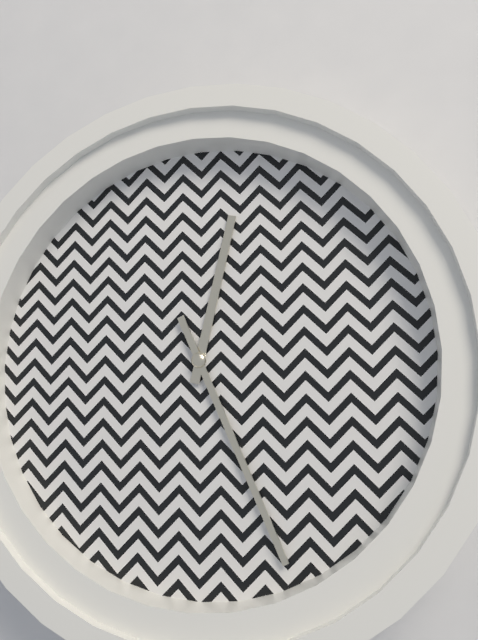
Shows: **12:26**
